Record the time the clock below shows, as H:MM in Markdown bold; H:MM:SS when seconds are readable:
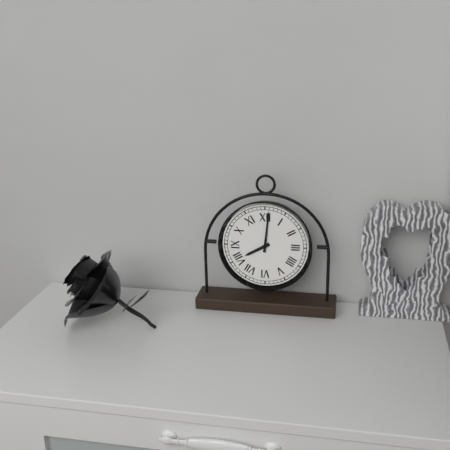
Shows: **8:01**
